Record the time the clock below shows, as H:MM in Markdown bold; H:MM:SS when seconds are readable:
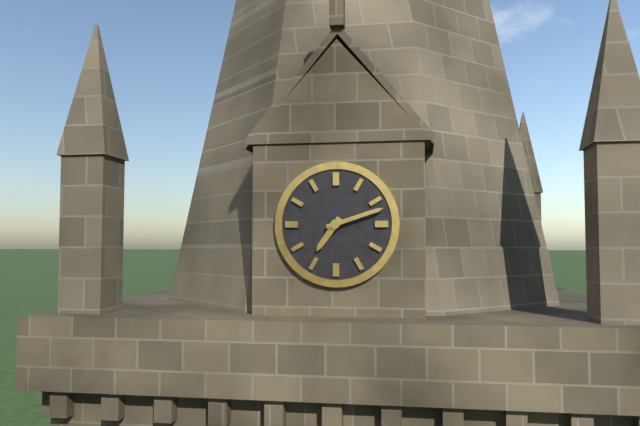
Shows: **7:12**
